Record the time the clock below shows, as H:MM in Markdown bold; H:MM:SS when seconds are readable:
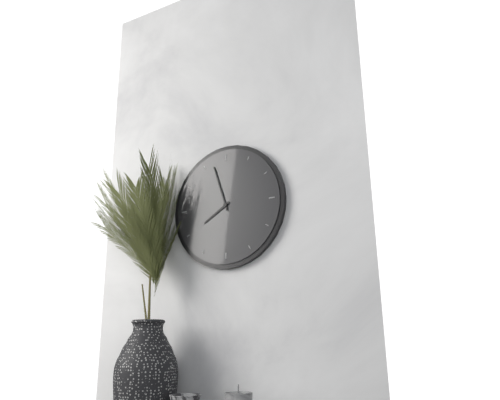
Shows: **7:57**
